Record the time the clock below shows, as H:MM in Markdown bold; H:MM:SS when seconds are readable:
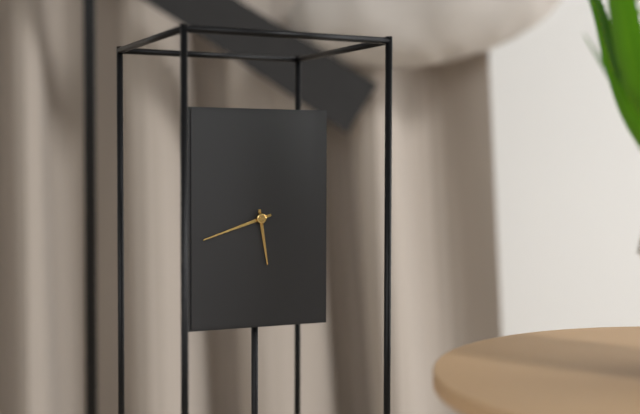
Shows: **5:42**
